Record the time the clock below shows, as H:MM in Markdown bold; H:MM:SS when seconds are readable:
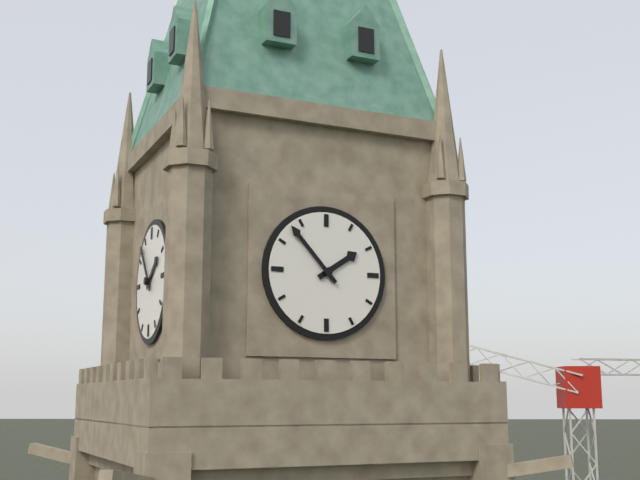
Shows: **1:53**
